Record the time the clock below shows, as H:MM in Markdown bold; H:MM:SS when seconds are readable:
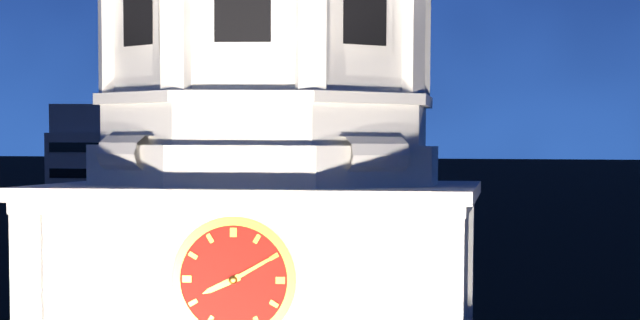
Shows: **8:10**
